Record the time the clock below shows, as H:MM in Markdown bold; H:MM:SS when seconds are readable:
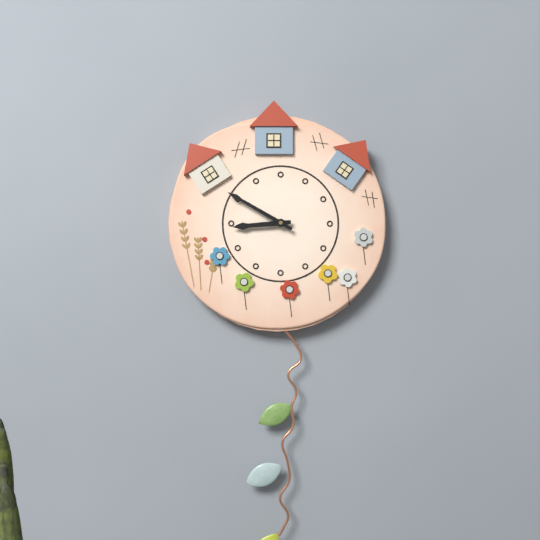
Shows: **8:50**
